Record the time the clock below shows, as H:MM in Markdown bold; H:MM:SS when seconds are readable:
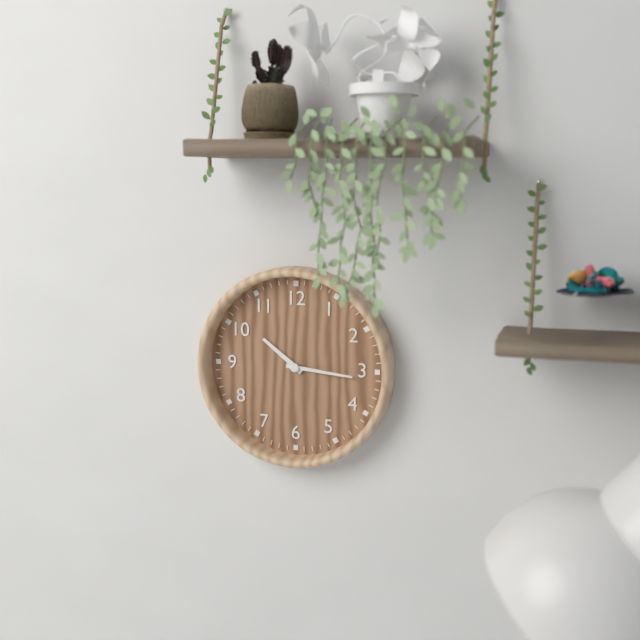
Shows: **10:16**
